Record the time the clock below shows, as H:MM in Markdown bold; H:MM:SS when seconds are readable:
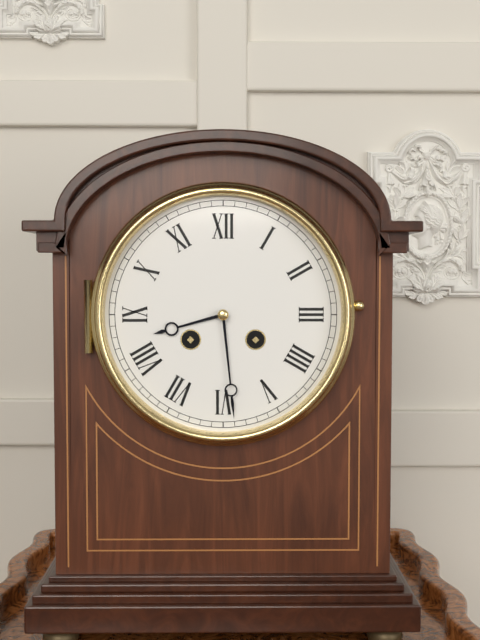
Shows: **8:29**
